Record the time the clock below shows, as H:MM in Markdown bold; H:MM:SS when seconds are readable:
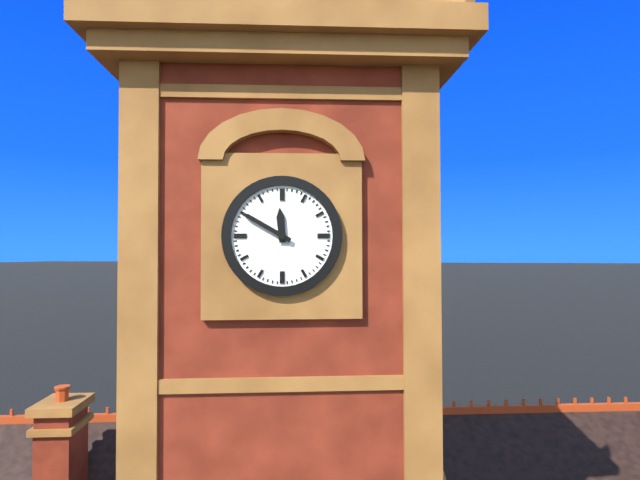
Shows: **11:50**
